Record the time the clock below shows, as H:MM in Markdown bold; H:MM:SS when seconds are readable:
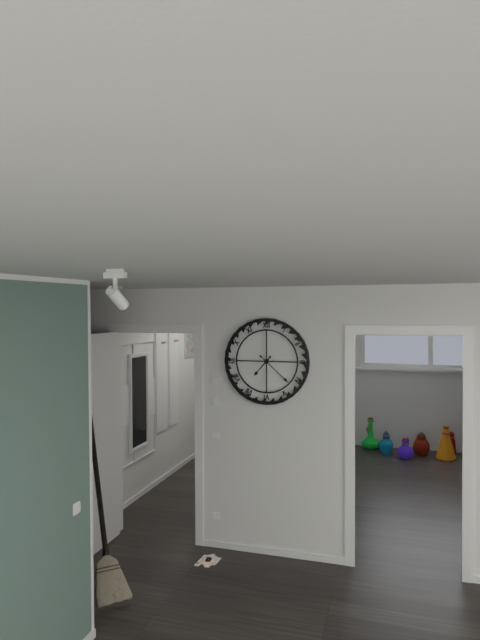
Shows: **7:22**
